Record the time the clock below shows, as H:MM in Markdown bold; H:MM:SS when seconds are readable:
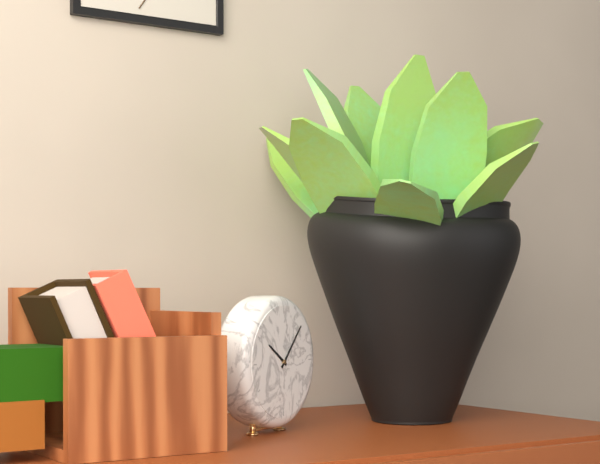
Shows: **10:07**
